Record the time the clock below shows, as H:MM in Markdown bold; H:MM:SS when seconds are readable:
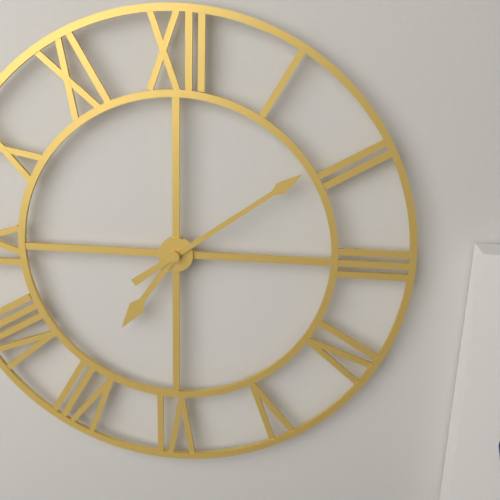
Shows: **7:09**
